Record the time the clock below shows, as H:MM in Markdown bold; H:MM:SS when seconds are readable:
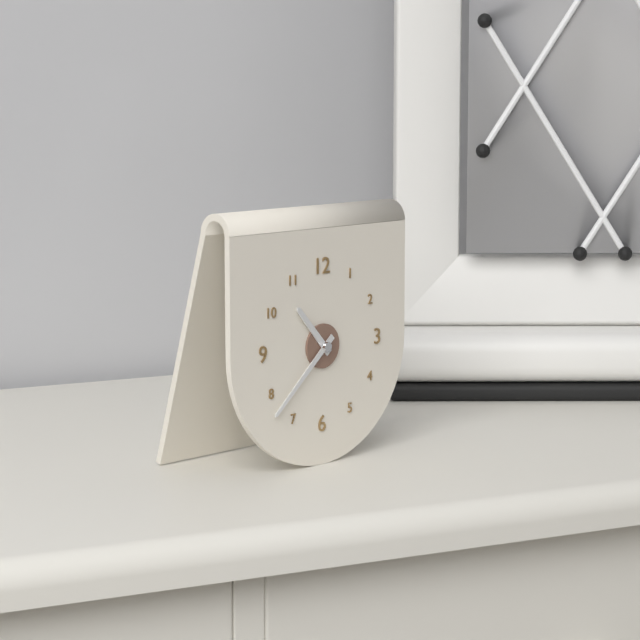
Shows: **10:38**
